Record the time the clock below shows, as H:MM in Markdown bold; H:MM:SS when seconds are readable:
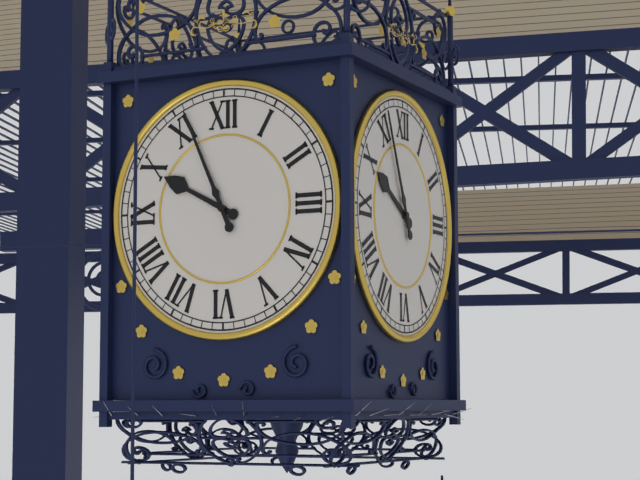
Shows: **9:56**
